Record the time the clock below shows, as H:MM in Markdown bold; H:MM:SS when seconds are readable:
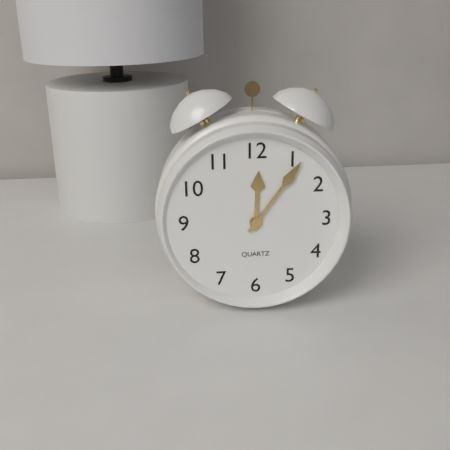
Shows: **12:06**
